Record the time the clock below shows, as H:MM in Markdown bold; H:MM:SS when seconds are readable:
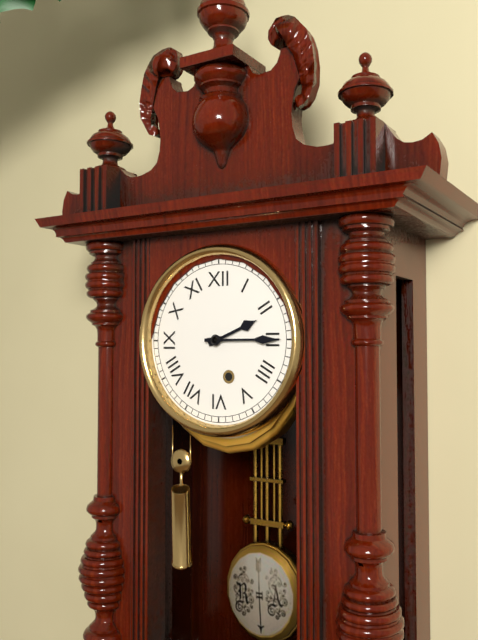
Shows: **2:15**
